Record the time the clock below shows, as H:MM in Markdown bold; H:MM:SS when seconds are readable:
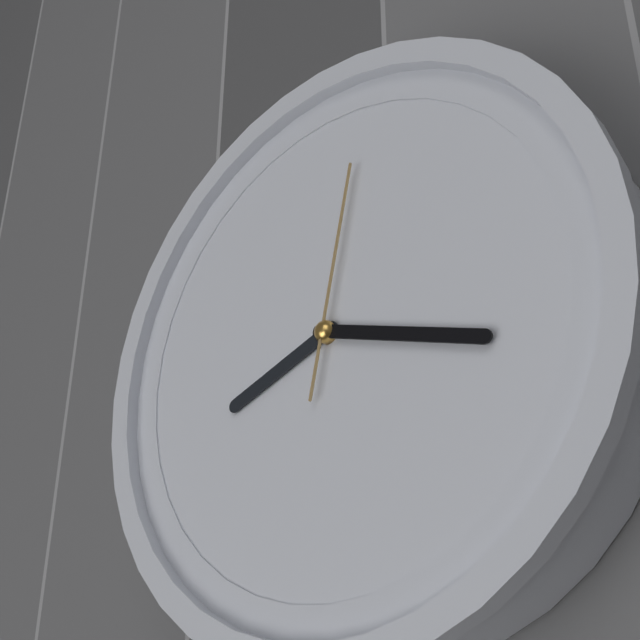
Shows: **8:18:02**
